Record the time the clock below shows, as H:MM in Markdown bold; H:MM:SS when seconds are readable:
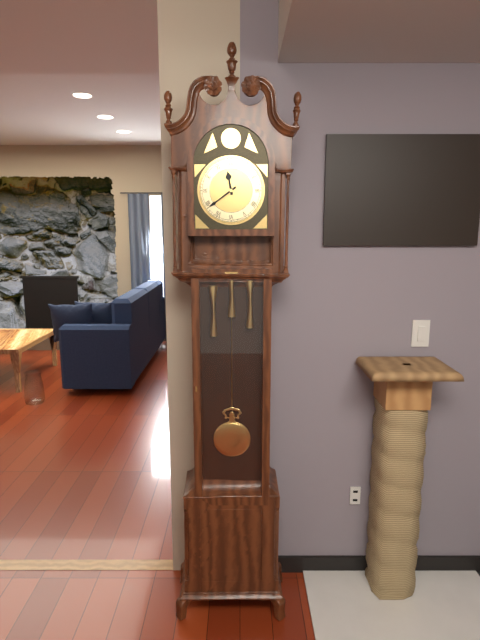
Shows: **11:39**
